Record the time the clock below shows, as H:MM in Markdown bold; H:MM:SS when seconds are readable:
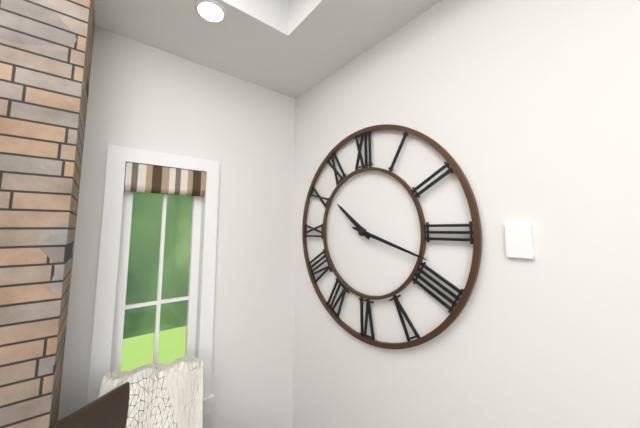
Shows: **10:18**
